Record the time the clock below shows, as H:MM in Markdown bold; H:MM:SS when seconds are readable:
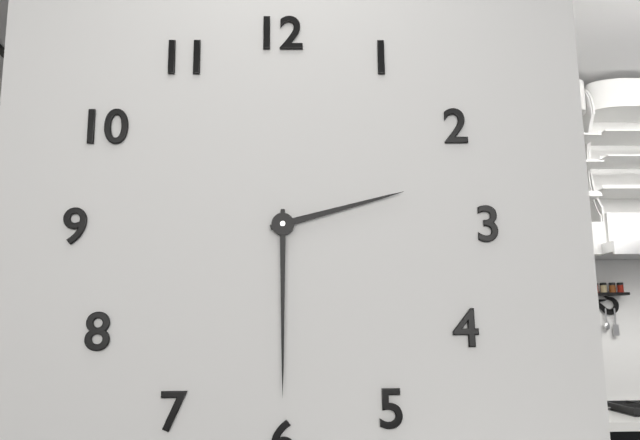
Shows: **2:30**
